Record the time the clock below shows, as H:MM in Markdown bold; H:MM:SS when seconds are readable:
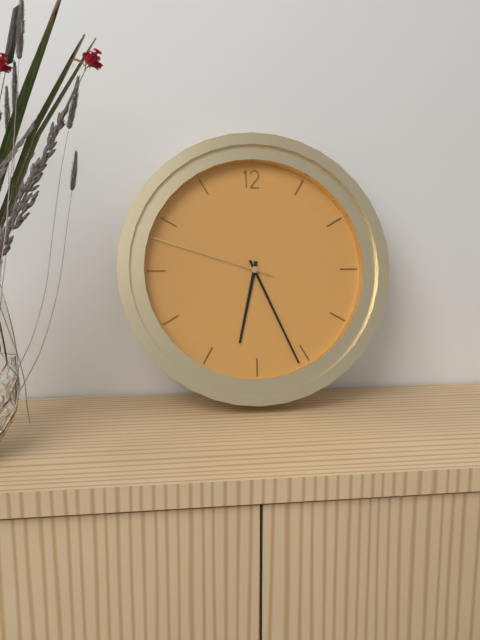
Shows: **6:26:48**
